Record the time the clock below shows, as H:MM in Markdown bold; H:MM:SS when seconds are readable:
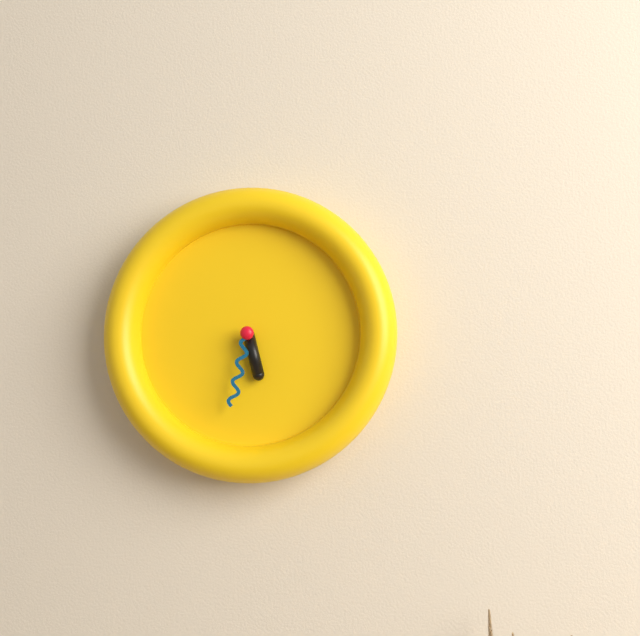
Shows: **5:32**
